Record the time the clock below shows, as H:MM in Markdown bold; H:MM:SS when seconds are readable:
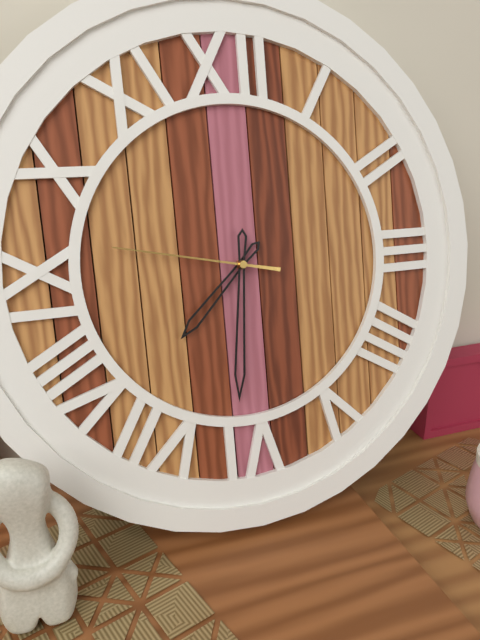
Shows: **7:31:47**
